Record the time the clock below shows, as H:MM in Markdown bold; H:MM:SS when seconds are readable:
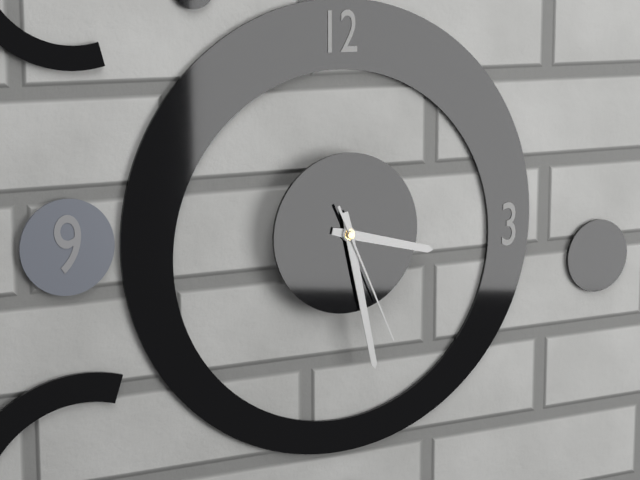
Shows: **3:28:26**
